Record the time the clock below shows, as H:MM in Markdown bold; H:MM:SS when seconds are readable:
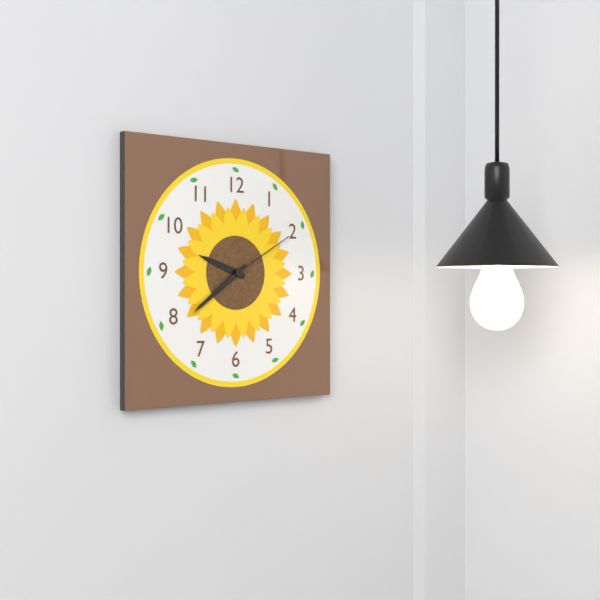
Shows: **9:39:10**
